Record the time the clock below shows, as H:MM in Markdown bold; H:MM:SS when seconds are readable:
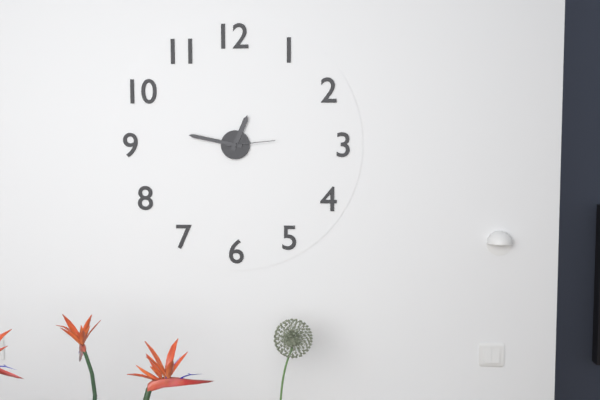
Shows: **12:47:14**
